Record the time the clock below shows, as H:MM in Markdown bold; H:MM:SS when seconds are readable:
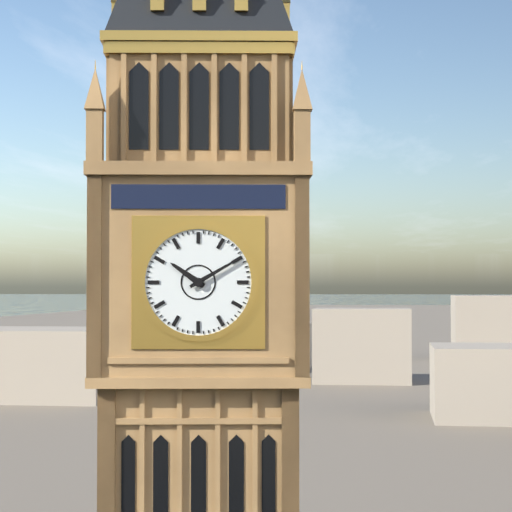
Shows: **10:10**
